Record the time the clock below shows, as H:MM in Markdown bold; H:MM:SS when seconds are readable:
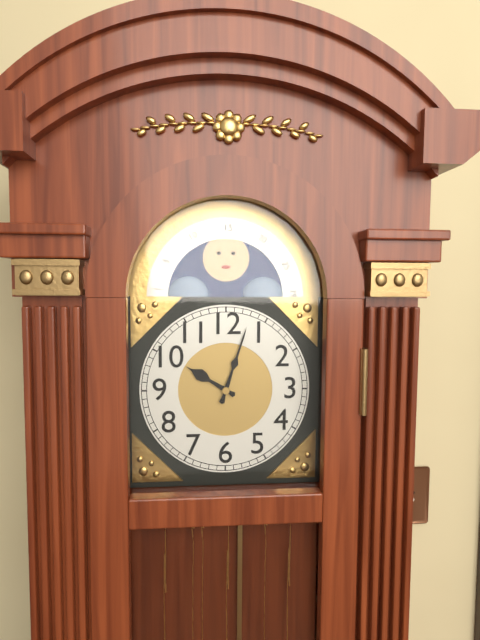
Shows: **10:03**
